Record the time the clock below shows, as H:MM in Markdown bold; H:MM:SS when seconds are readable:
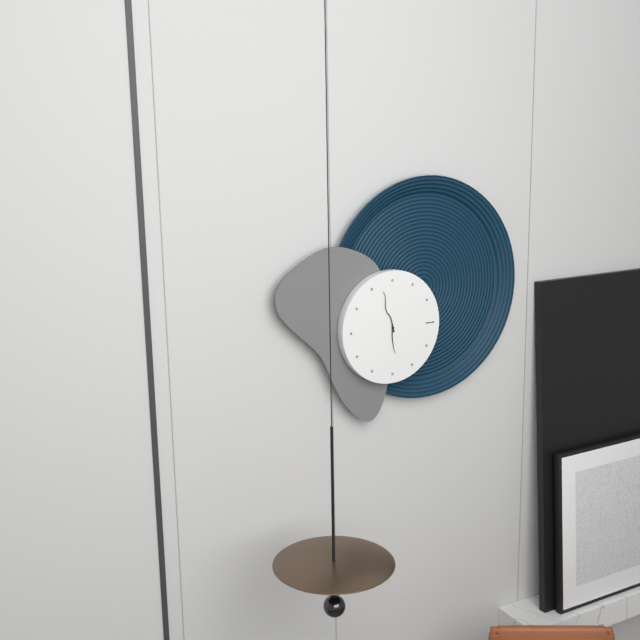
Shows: **5:57**
